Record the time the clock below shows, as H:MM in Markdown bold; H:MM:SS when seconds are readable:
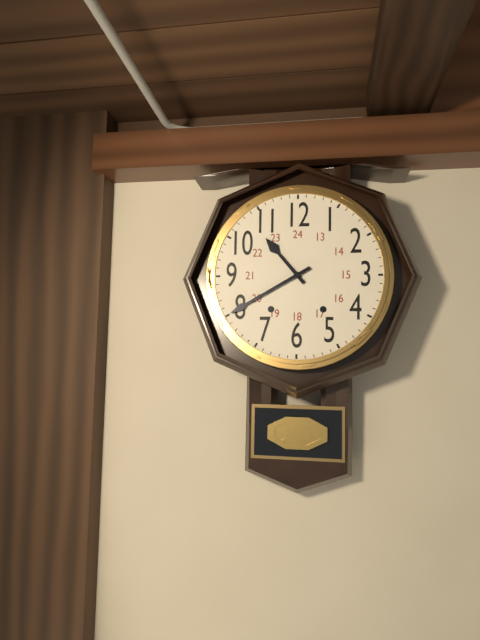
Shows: **10:40**
